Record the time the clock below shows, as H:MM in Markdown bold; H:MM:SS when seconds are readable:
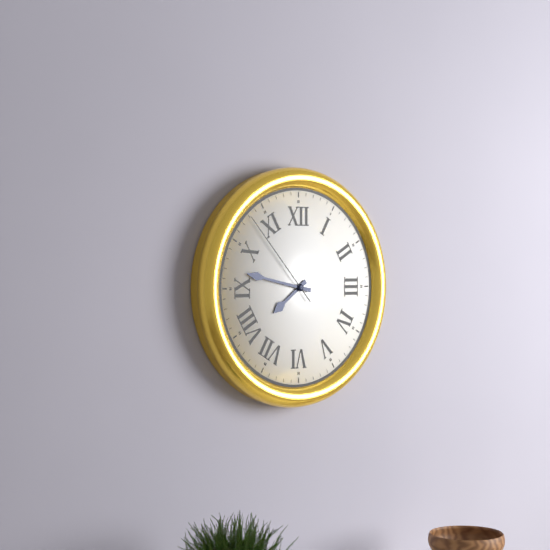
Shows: **7:47:53**
